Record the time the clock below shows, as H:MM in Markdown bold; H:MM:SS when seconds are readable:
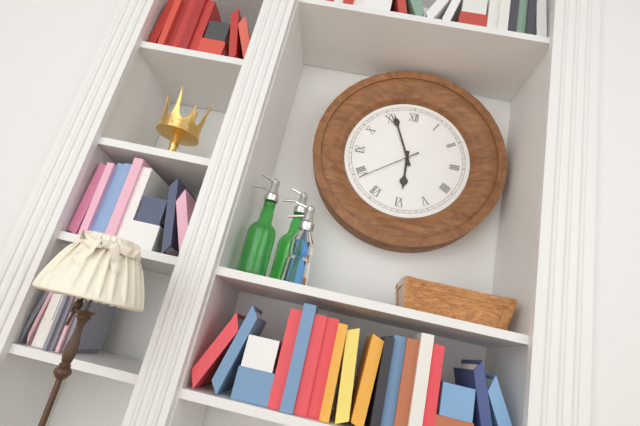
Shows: **5:56:39**
